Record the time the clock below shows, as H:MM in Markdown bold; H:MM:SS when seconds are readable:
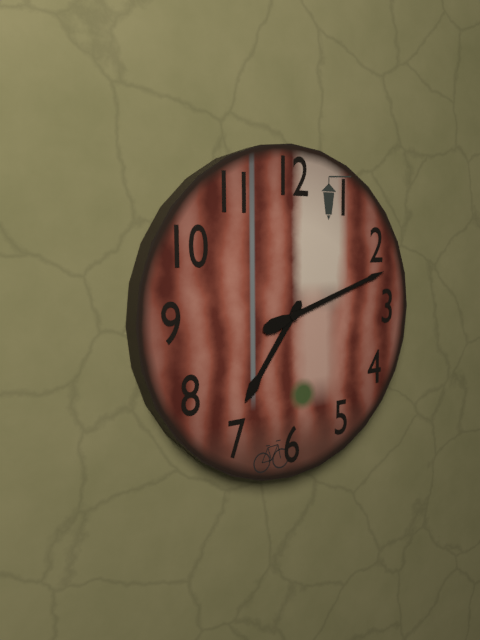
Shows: **7:12**
